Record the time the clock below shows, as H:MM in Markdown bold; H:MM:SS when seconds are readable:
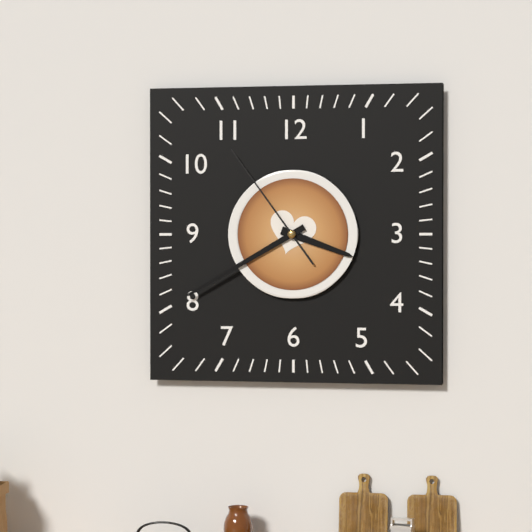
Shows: **3:40:54**
